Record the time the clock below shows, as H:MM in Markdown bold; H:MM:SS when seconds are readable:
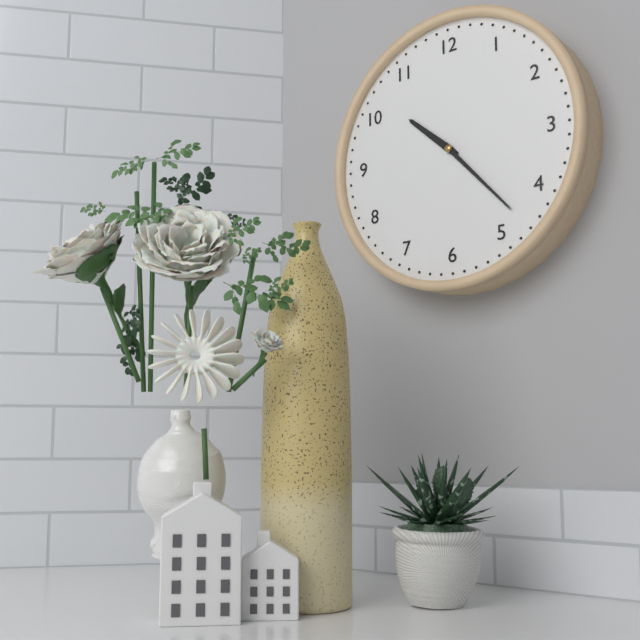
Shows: **10:23**
